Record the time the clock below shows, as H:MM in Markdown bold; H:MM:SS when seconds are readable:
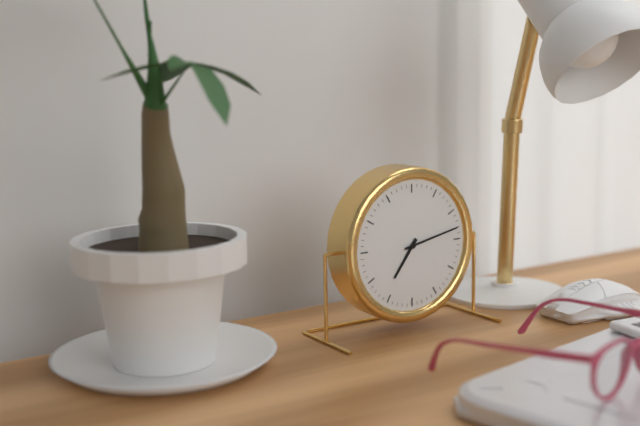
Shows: **7:13**
